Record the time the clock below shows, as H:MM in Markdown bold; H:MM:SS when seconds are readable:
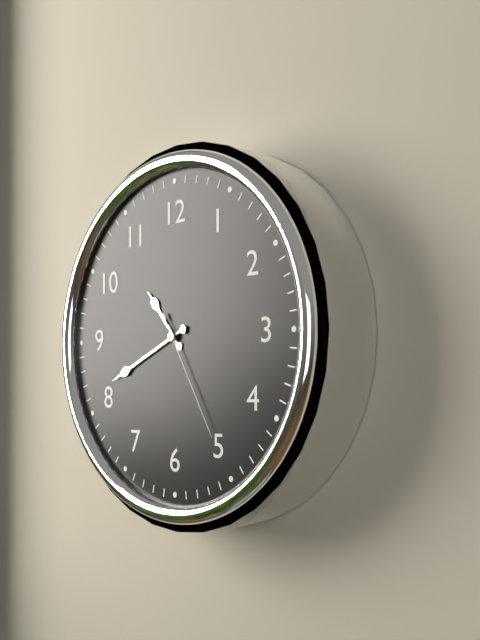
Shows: **10:41:25**
